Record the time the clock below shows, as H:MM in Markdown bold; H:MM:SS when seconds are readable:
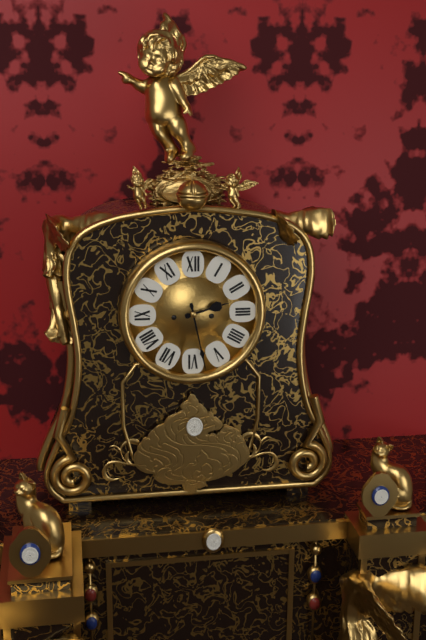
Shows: **2:28**
